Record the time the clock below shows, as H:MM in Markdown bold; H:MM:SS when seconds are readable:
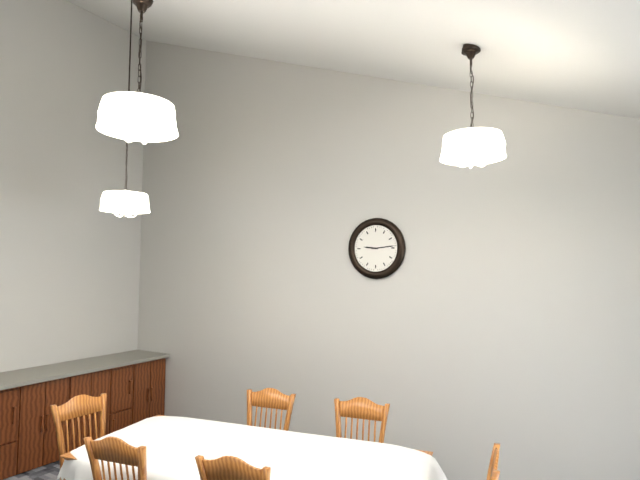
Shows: **9:14**
